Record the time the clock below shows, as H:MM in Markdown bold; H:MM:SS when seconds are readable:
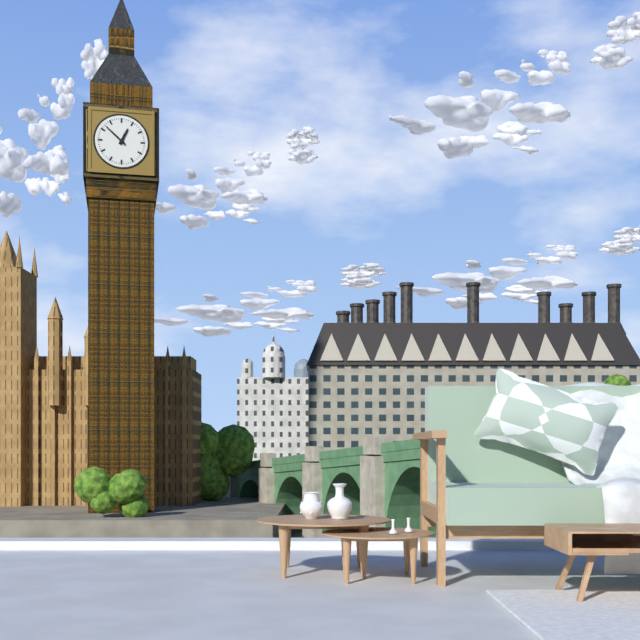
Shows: **12:52**
